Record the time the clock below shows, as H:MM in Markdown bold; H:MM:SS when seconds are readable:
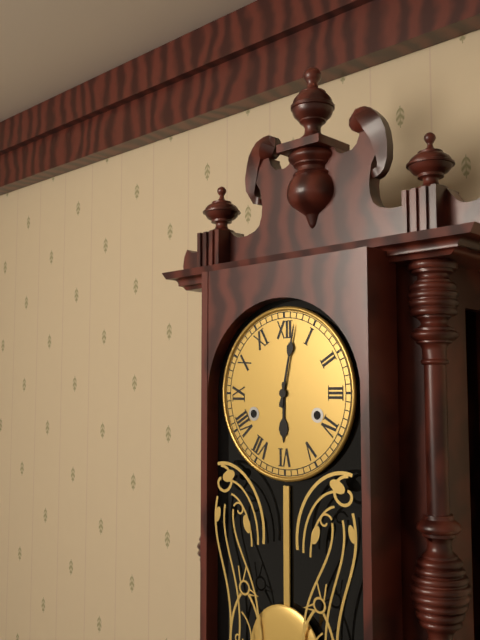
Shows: **6:02**
